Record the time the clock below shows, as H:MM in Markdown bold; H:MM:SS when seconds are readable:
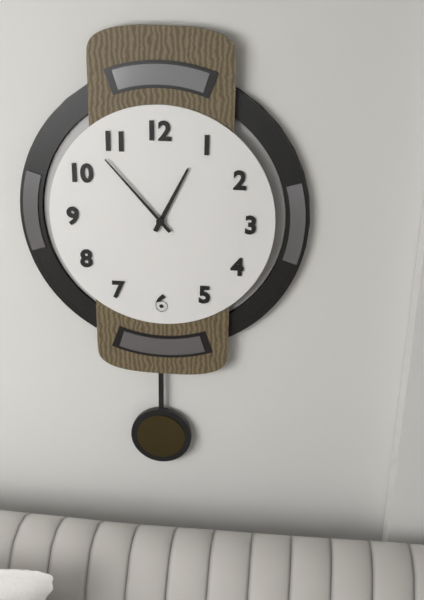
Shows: **12:53**
